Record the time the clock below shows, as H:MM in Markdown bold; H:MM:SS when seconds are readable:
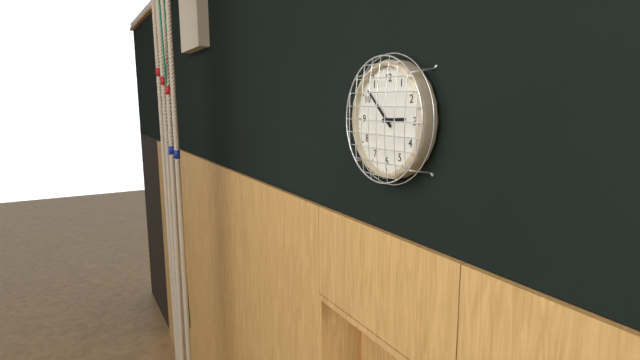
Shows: **2:52**
